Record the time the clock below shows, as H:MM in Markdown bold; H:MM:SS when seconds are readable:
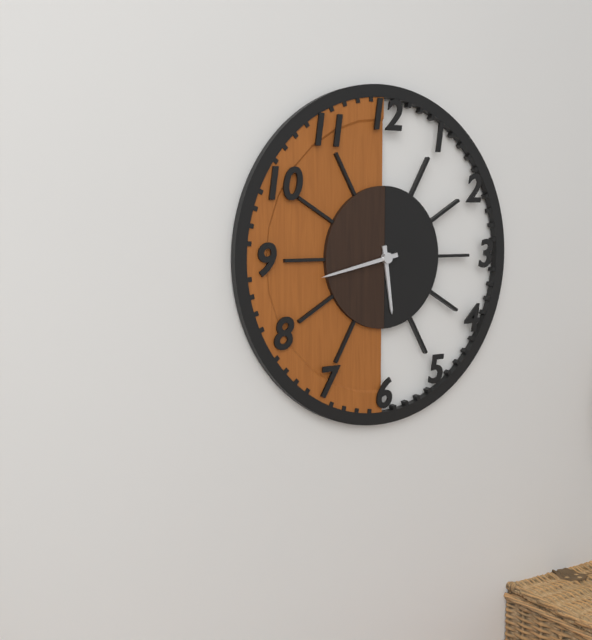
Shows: **5:43**
